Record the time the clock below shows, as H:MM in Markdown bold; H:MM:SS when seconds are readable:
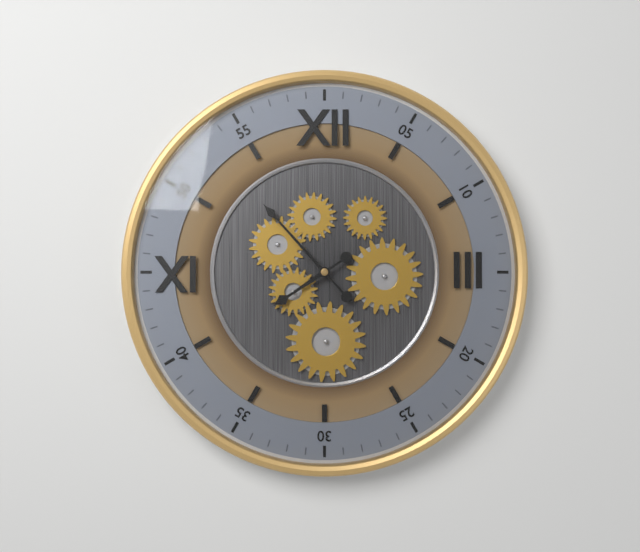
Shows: **7:53**
